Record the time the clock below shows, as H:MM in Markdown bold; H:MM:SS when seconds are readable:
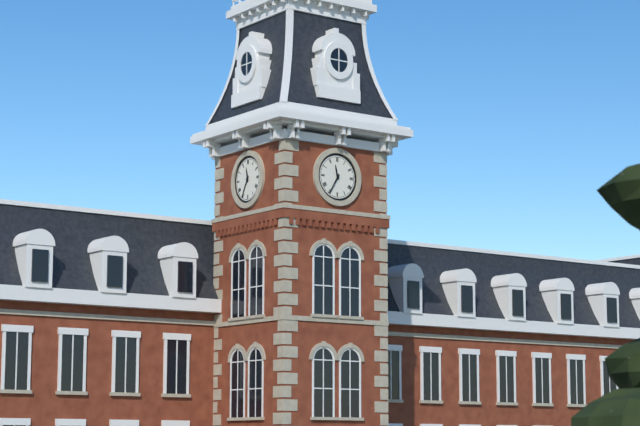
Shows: **11:35**
